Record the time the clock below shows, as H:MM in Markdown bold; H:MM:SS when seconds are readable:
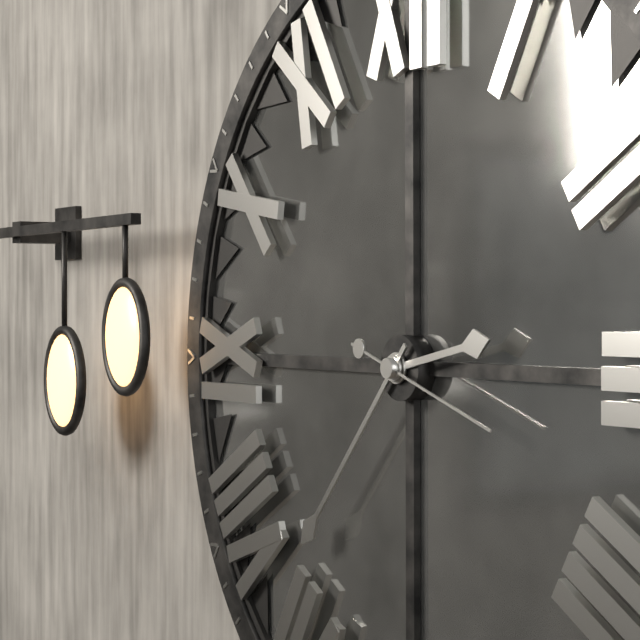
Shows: **2:37:18**
